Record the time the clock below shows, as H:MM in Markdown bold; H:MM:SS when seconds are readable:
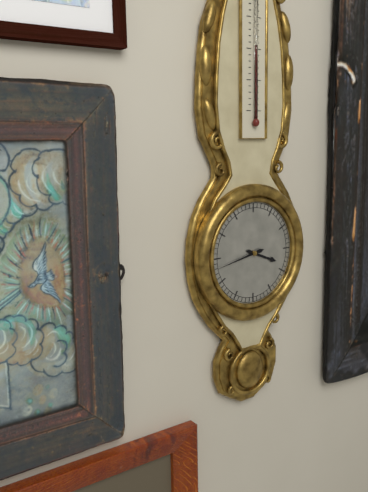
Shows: **3:43**
